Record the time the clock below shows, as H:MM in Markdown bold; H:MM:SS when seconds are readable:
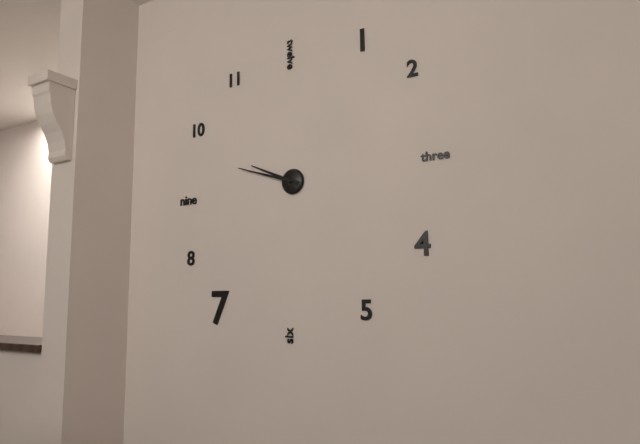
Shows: **9:48**
